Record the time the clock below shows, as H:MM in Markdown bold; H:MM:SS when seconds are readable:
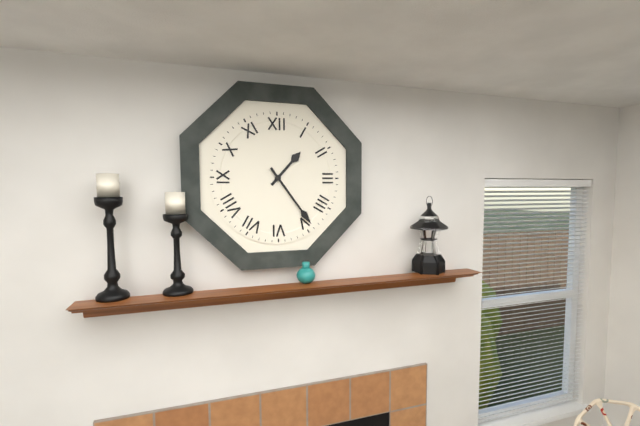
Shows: **1:24**
